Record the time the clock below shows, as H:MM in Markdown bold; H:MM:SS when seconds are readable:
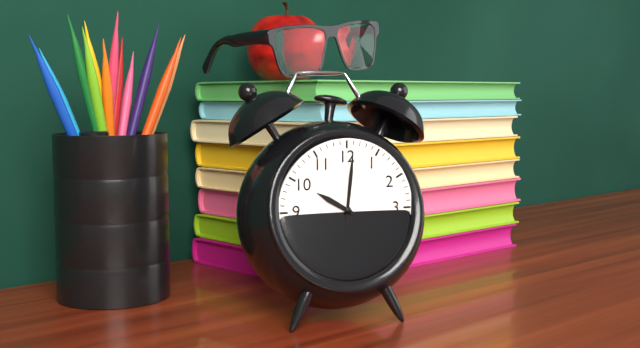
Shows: **10:01**
